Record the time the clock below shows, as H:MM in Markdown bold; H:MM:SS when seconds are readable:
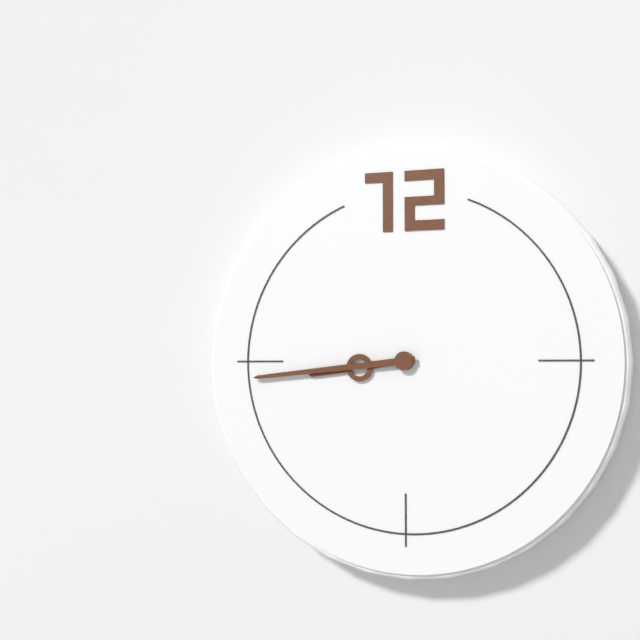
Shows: **8:44**
